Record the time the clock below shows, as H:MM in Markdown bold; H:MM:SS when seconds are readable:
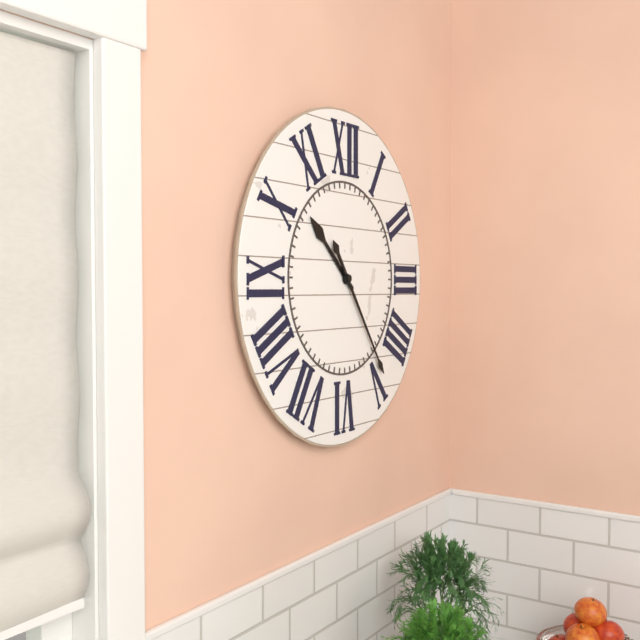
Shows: **10:24**
